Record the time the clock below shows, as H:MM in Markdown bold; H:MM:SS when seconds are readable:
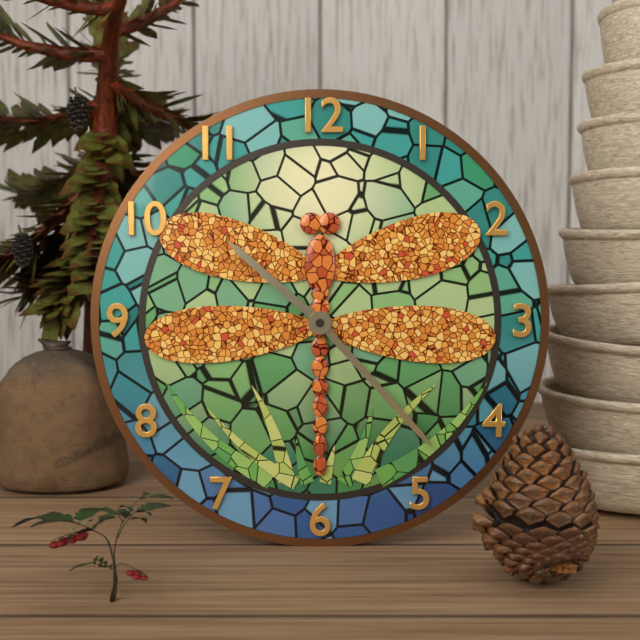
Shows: **10:23**
